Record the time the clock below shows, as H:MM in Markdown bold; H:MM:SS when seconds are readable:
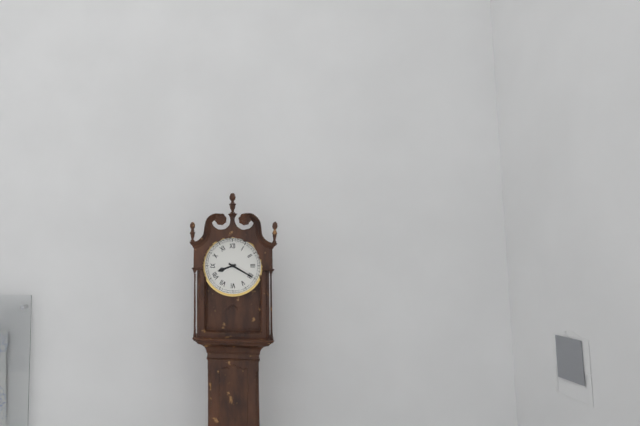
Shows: **8:20**
